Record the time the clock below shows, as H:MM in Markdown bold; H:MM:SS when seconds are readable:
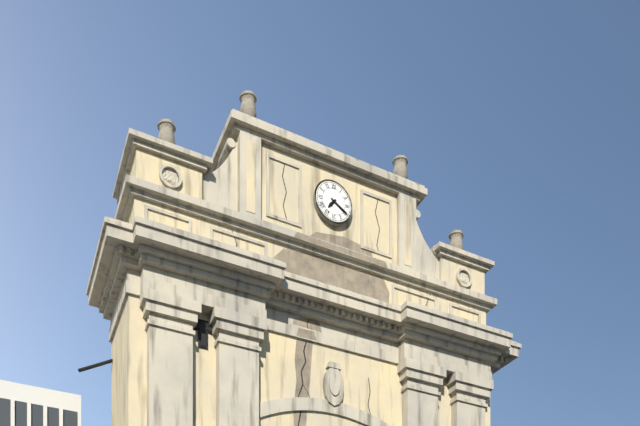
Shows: **7:20**
